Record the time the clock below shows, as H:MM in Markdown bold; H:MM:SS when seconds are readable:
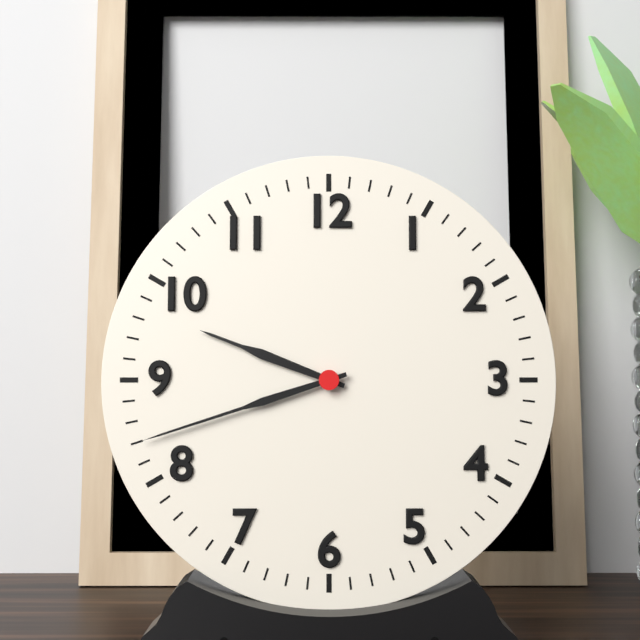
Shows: **9:42**
